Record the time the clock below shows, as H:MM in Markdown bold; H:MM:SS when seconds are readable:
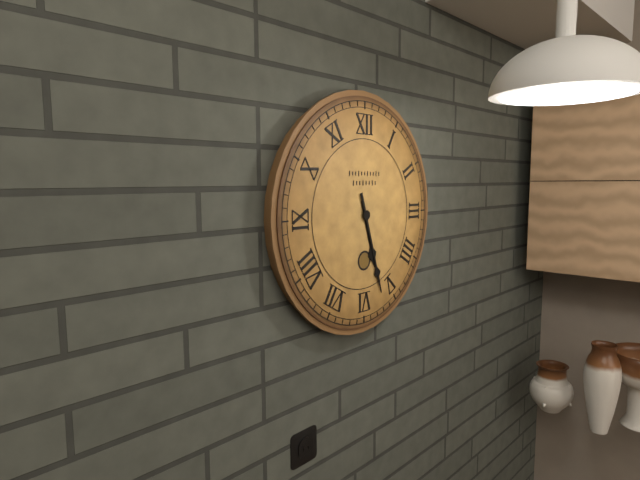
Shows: **5:27**
